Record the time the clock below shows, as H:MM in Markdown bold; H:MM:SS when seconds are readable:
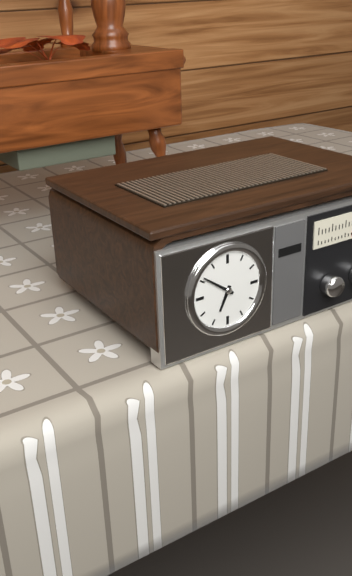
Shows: **6:51**
